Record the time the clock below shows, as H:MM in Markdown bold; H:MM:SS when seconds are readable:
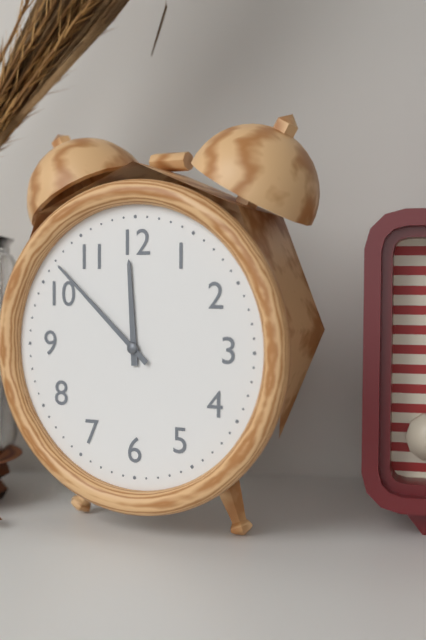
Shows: **11:52**
